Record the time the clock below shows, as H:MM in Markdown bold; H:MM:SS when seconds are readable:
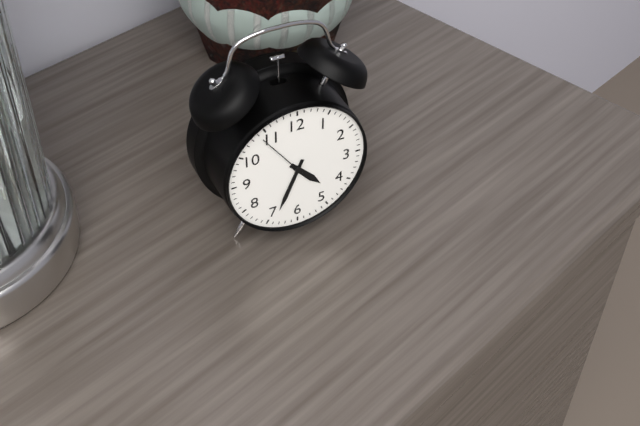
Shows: **4:34:54**
